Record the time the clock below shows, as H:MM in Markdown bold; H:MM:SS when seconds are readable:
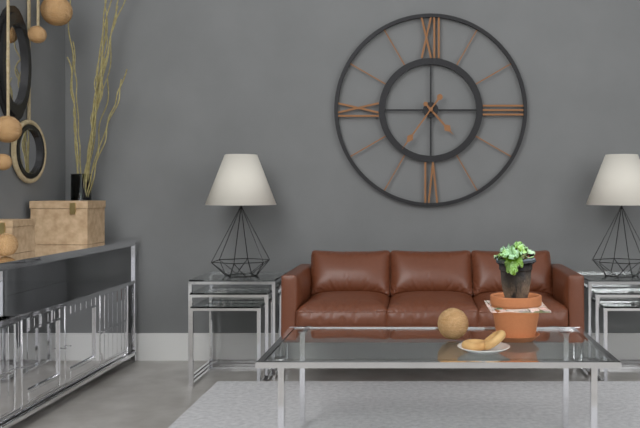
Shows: **4:36**
